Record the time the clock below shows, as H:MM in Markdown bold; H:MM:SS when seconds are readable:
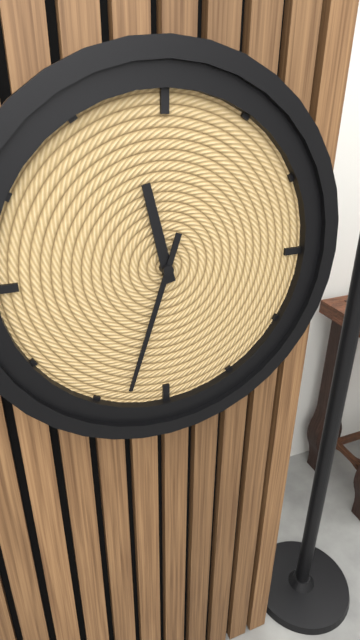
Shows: **11:33**
